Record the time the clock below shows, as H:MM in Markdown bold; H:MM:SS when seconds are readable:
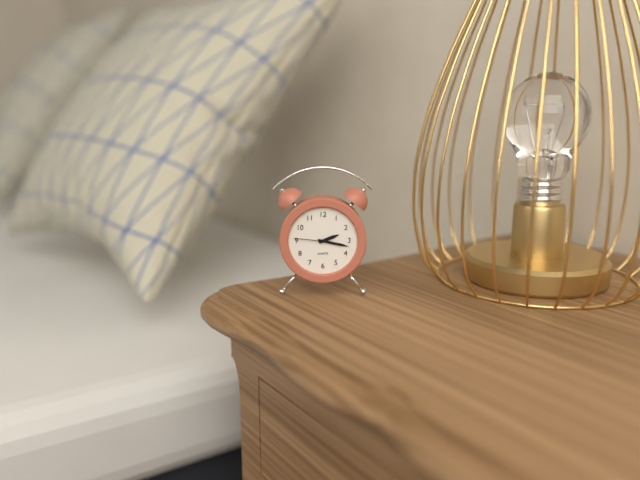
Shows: **2:17**
